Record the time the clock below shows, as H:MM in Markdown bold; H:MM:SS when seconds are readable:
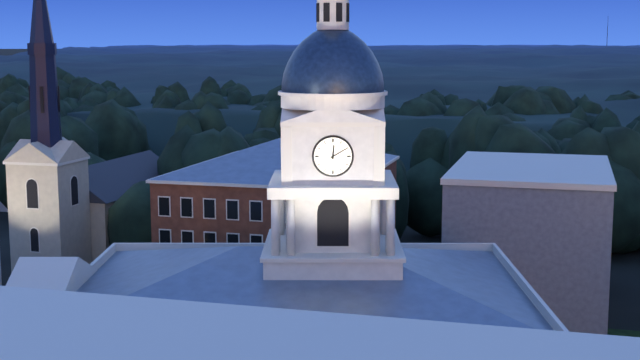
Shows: **12:10**
